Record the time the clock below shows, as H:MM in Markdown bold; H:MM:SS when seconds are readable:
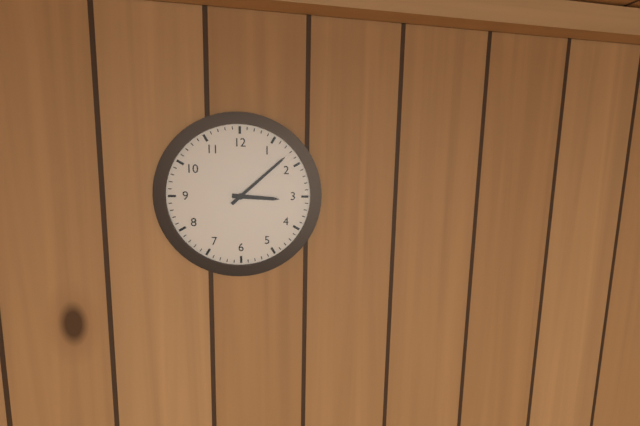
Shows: **3:08**
